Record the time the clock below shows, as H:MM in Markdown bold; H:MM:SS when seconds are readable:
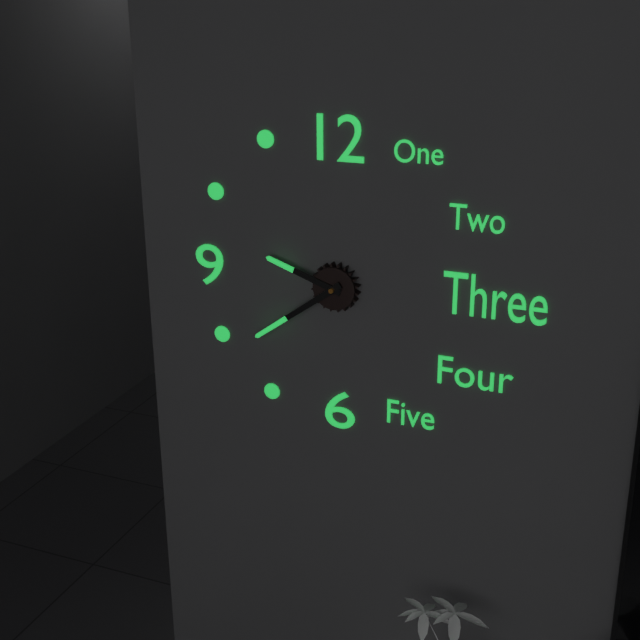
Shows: **9:39**
